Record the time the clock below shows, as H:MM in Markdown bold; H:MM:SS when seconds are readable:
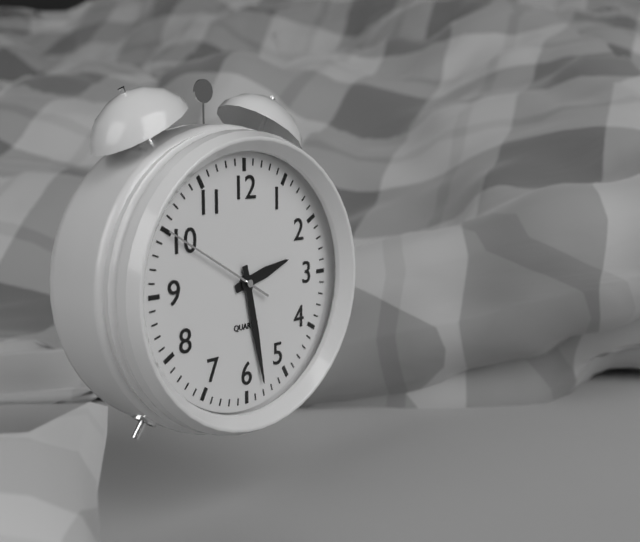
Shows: **2:28:50**
